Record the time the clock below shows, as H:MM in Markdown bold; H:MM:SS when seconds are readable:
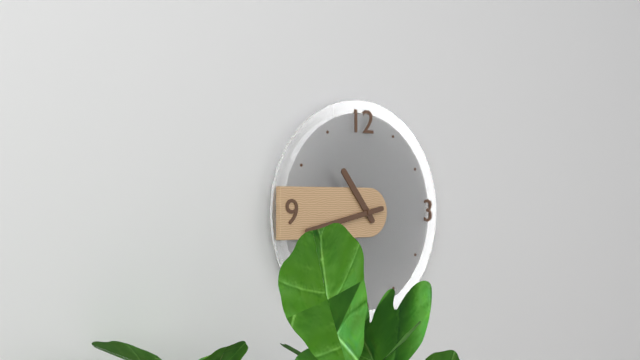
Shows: **10:43**
